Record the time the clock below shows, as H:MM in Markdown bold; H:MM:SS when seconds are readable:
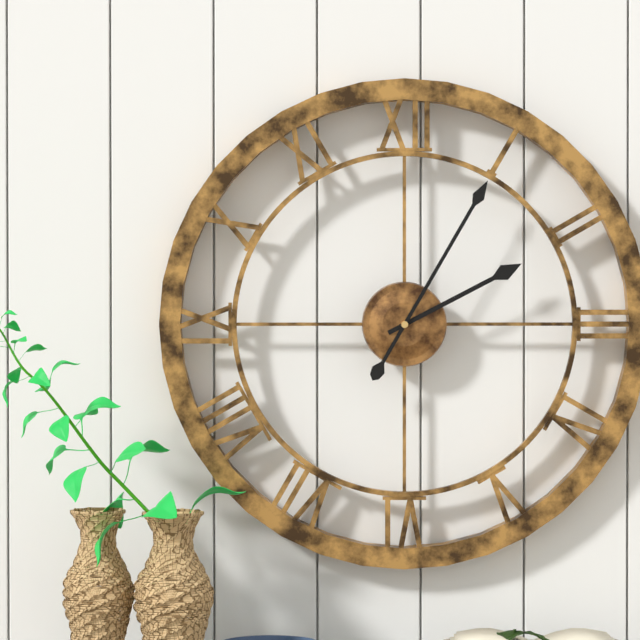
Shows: **2:05**
